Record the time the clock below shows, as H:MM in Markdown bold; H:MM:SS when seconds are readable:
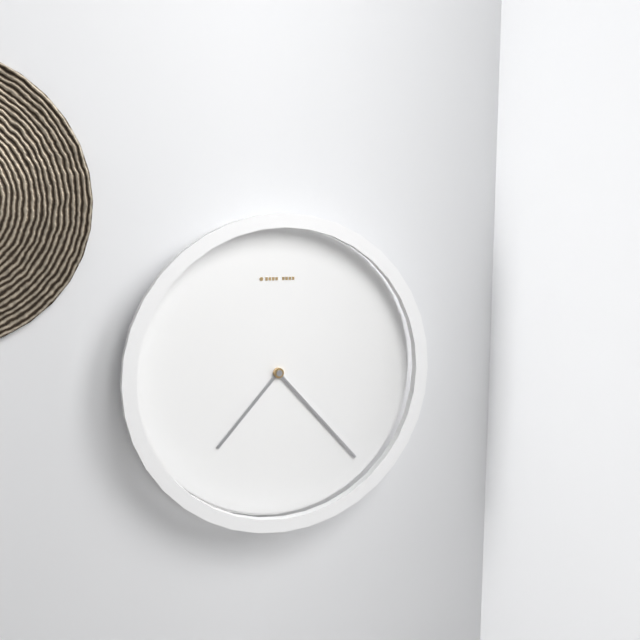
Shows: **7:23**
